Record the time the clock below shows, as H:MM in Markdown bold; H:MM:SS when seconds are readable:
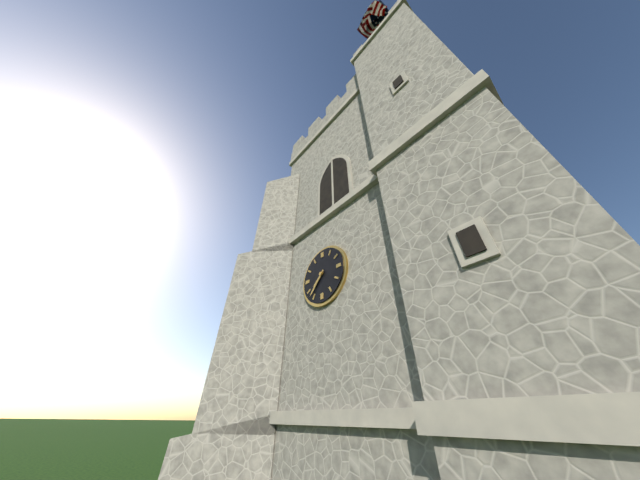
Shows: **7:37**
